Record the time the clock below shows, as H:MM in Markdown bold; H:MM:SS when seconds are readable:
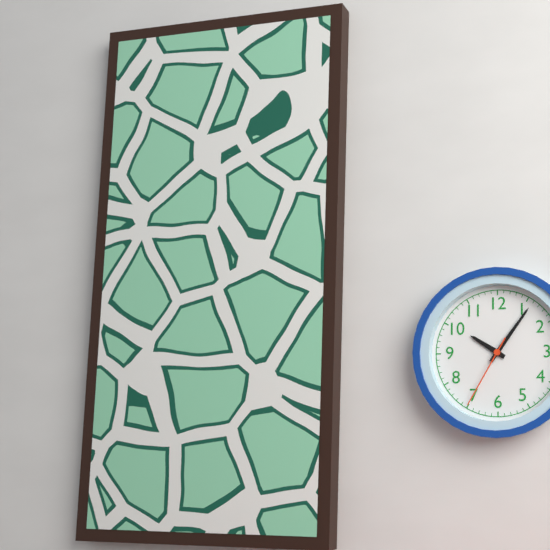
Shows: **10:06:35**
